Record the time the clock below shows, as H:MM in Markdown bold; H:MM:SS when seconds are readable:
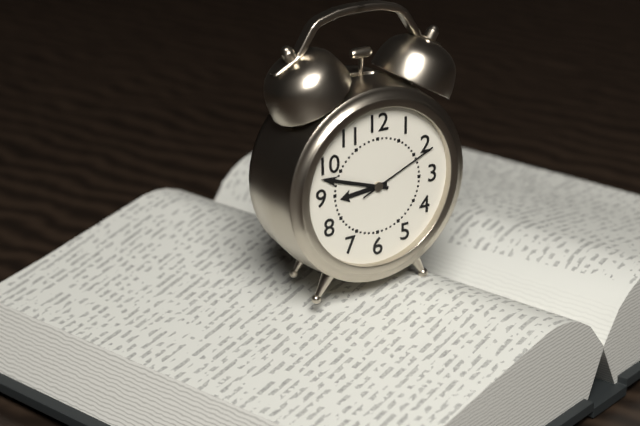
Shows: **8:48:11**
